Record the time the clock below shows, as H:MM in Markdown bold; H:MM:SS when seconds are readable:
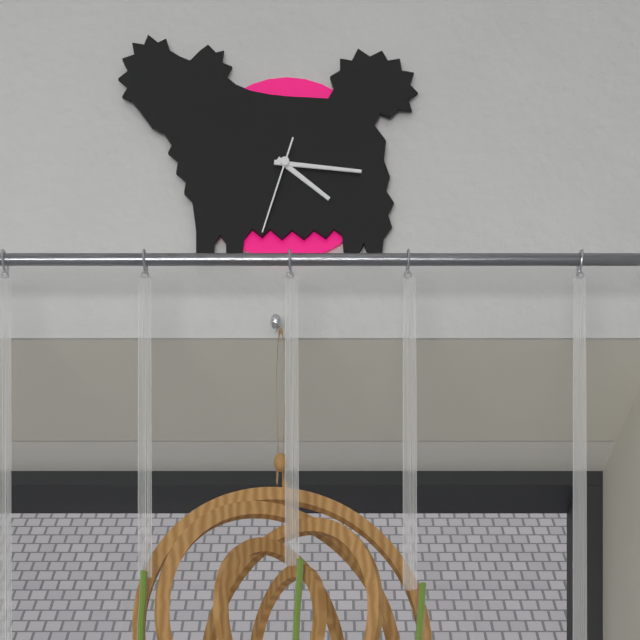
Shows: **4:16:33**
